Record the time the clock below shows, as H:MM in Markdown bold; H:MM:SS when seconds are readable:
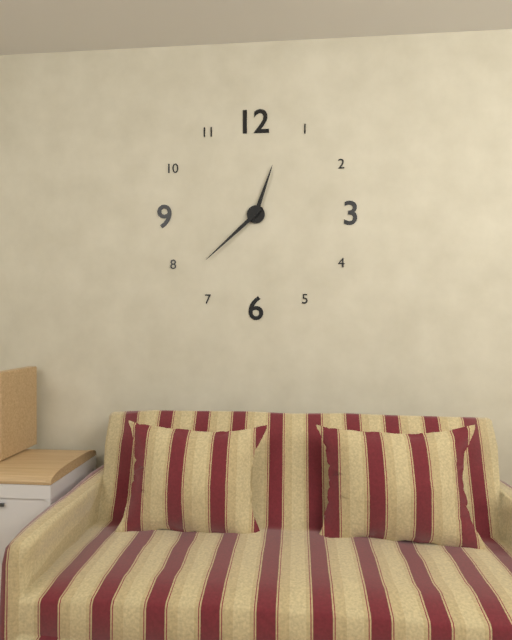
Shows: **12:38**
